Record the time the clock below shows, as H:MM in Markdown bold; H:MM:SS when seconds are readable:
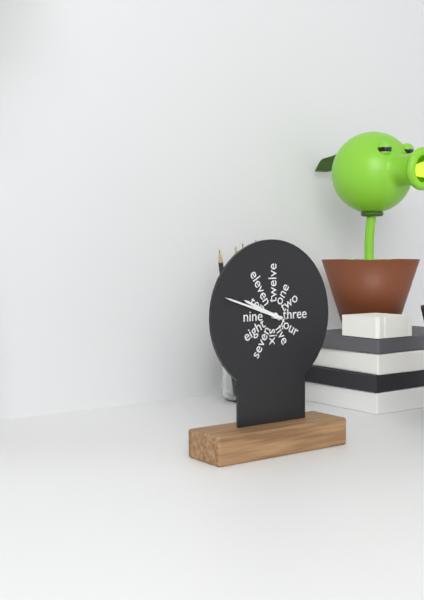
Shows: **9:48**
